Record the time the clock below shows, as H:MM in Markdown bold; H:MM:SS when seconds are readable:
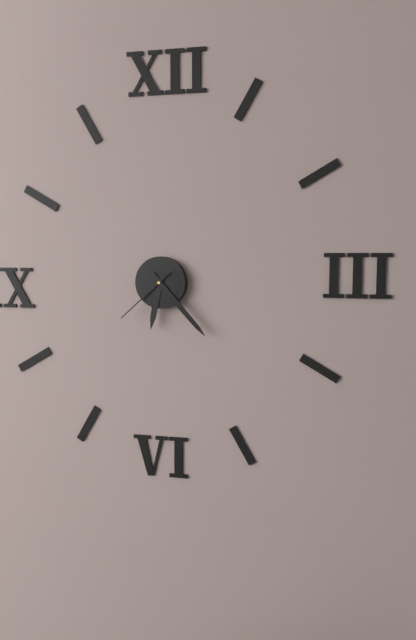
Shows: **6:23:38**
